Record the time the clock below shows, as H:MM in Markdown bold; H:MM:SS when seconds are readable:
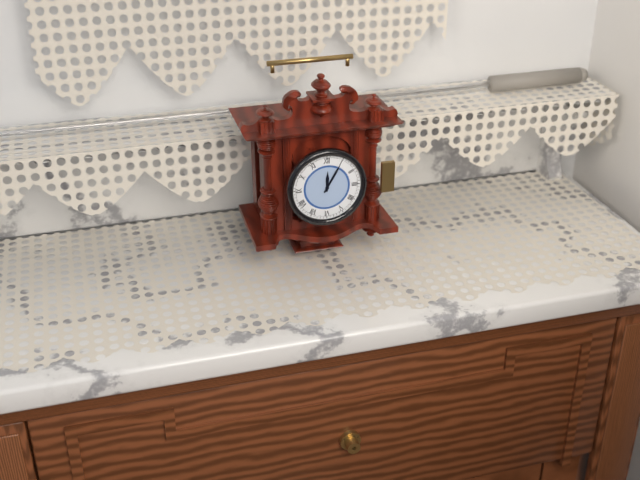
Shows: **12:05**
